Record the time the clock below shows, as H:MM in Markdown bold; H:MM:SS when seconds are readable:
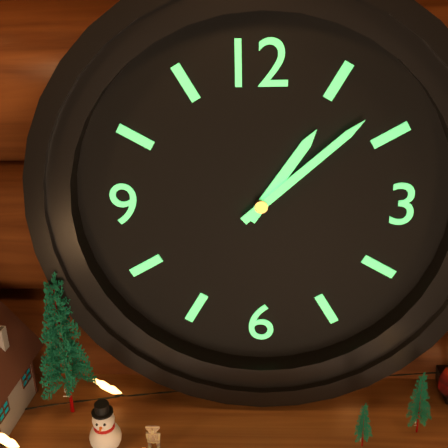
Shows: **1:08**
